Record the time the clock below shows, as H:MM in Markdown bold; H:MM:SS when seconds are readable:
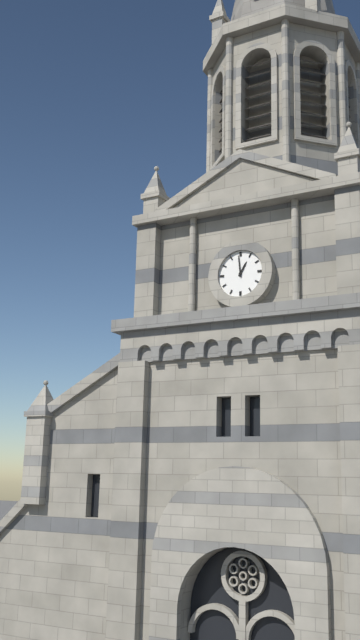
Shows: **12:59**
